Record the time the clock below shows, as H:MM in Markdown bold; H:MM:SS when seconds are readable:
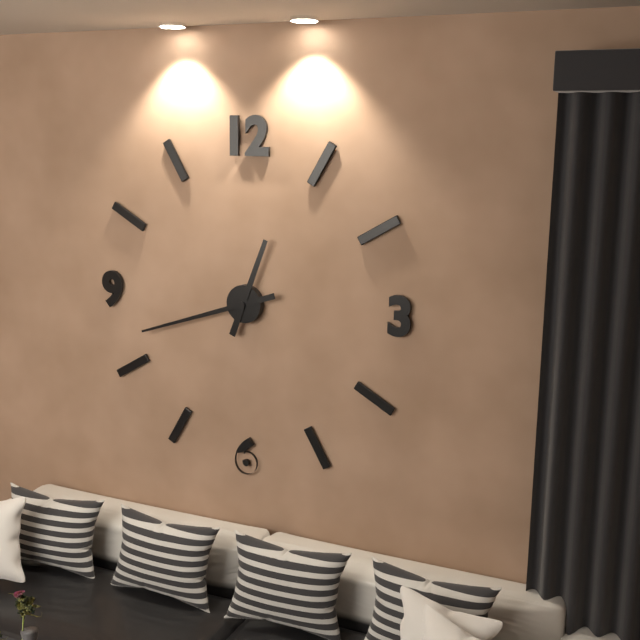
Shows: **12:42**
